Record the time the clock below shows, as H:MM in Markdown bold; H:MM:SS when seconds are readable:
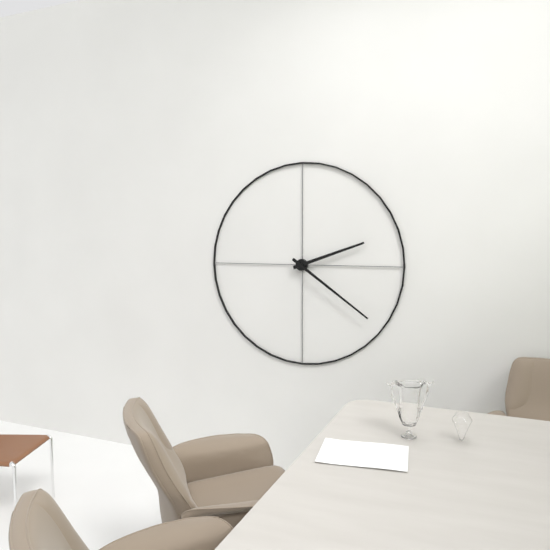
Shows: **2:21**
